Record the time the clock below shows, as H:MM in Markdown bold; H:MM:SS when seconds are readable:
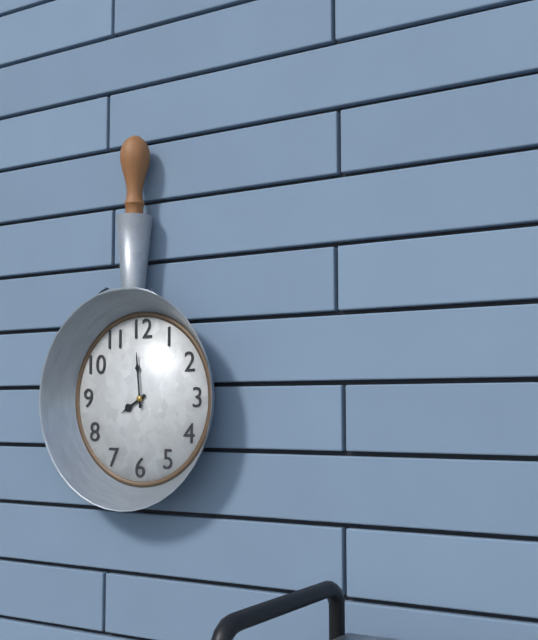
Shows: **7:59**
